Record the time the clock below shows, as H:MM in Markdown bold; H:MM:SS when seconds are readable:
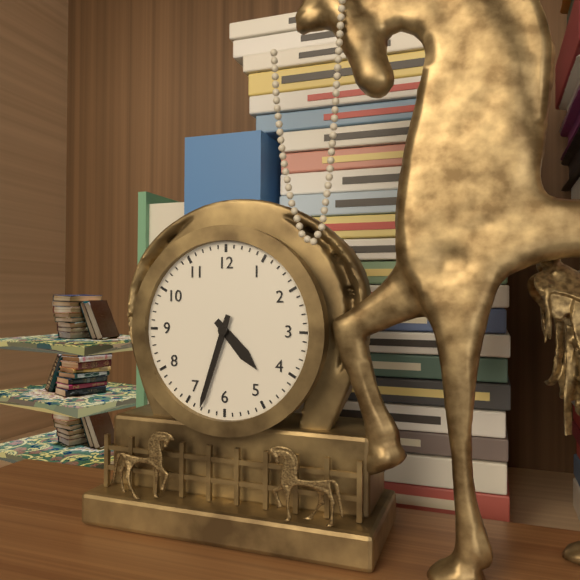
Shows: **4:33**
